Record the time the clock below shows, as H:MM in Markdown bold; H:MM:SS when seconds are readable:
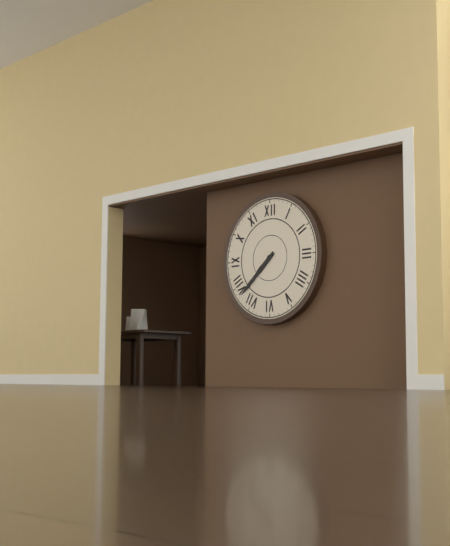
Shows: **7:38**
